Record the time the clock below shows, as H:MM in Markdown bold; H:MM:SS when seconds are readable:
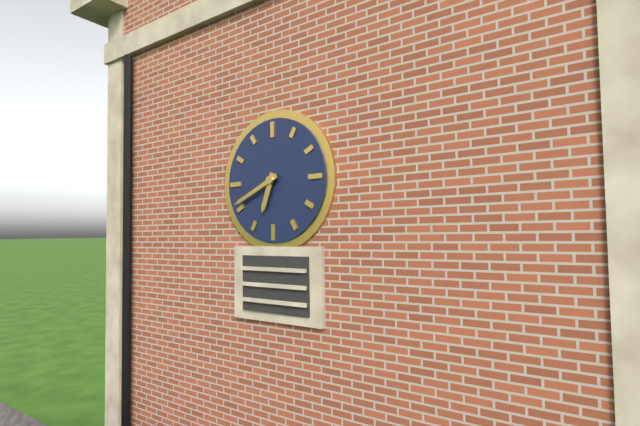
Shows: **6:41**
